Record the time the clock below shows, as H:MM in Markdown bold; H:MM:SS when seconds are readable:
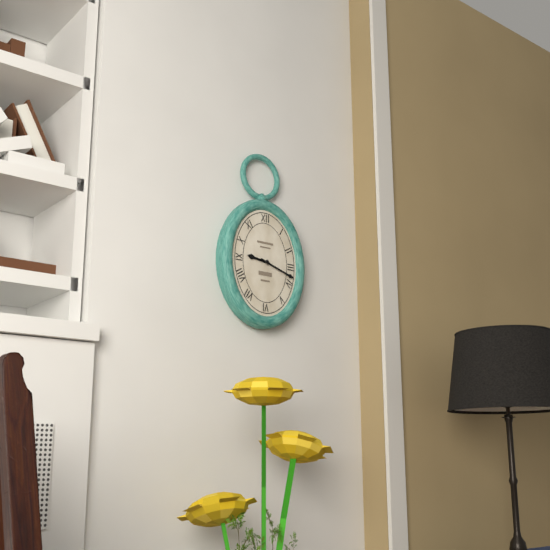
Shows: **9:18**
